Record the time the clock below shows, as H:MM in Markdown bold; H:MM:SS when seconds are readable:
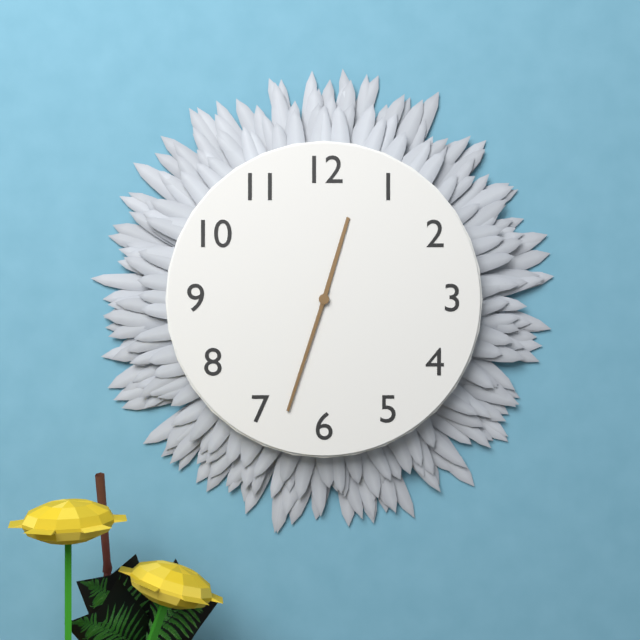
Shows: **12:33**
